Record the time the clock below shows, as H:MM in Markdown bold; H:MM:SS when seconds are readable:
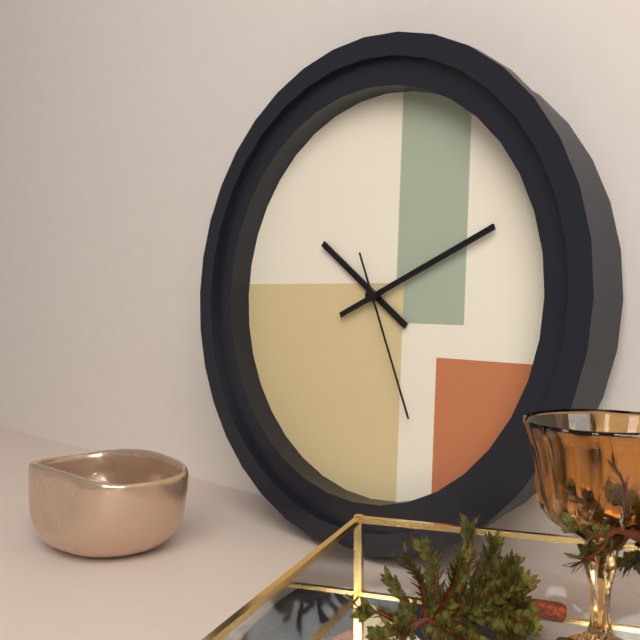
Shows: **10:11:26**
